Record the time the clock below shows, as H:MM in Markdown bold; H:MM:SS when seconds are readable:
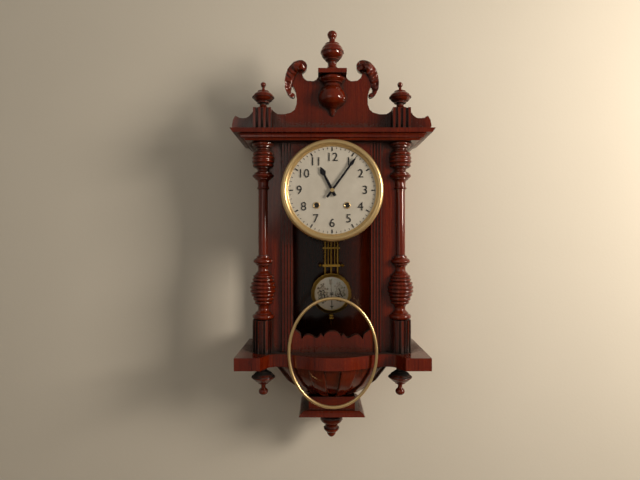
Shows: **11:06**
